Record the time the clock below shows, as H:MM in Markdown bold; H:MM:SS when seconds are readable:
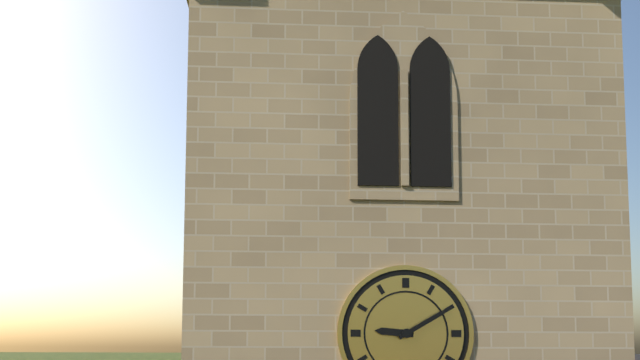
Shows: **9:10**
